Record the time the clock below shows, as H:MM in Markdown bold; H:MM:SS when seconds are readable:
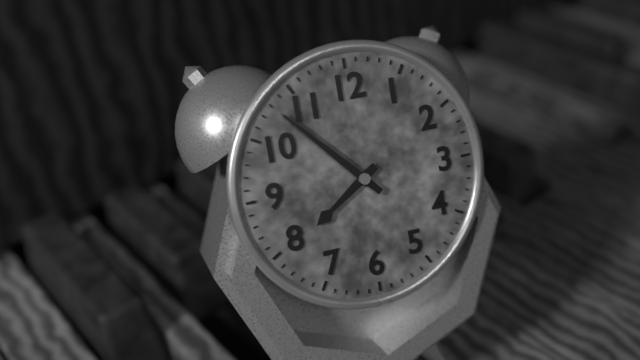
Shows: **7:53**
